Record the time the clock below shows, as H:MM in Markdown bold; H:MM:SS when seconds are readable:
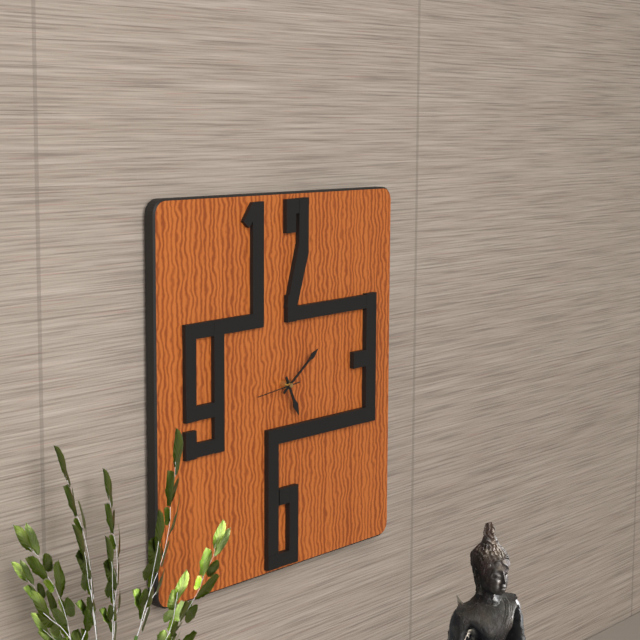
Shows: **5:09**
